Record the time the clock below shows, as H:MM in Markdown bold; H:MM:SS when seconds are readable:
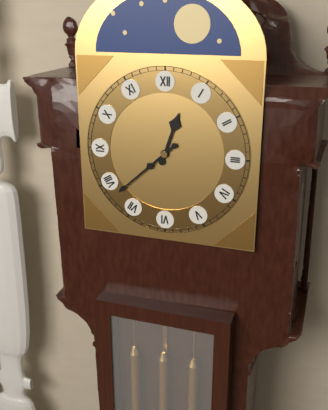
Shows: **12:38**
